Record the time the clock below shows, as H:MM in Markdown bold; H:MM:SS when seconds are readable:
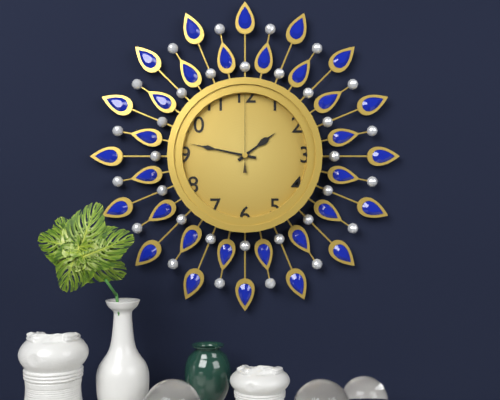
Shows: **1:47:00**
